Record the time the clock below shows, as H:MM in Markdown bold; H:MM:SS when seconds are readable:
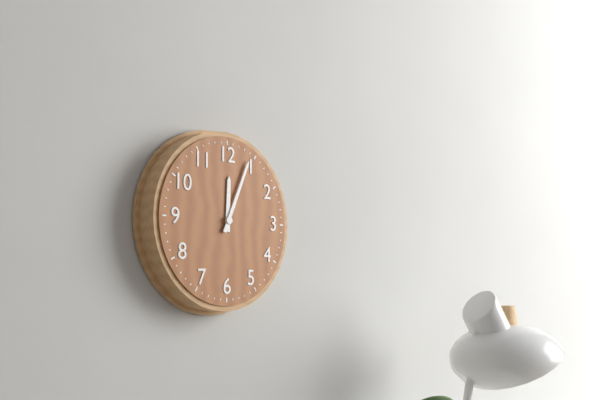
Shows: **12:04**
